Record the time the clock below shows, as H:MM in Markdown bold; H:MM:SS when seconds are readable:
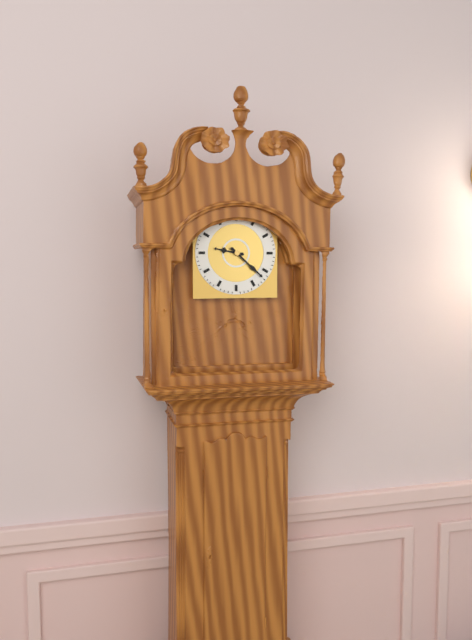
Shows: **9:22**
